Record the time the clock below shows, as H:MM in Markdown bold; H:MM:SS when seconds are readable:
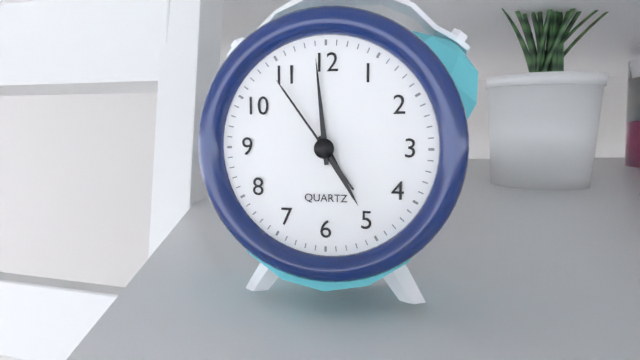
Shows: **4:59:54**
